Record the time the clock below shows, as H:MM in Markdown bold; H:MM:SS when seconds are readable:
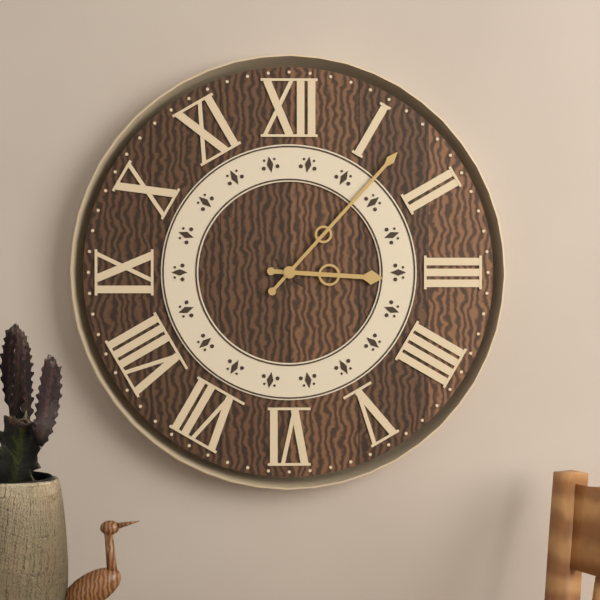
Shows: **3:07**
